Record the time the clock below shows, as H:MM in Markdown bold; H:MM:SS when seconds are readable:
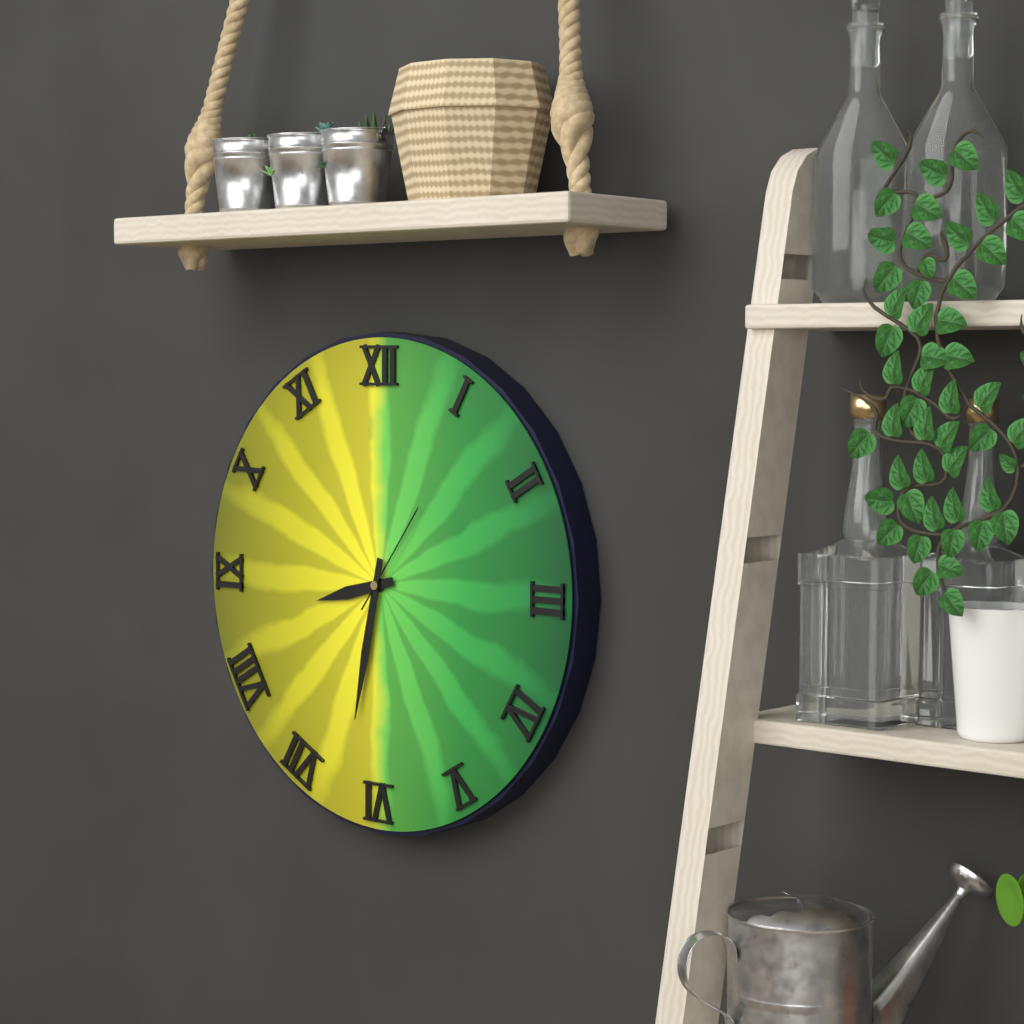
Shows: **8:32:06**
